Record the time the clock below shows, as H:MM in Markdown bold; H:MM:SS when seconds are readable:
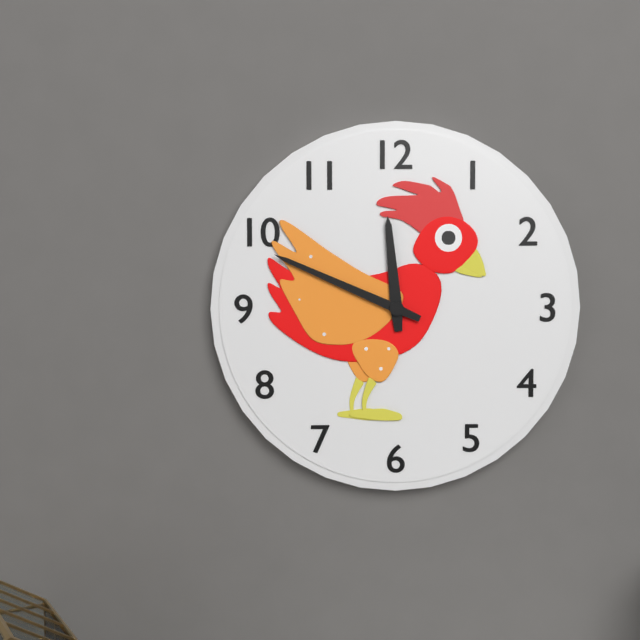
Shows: **11:49**
